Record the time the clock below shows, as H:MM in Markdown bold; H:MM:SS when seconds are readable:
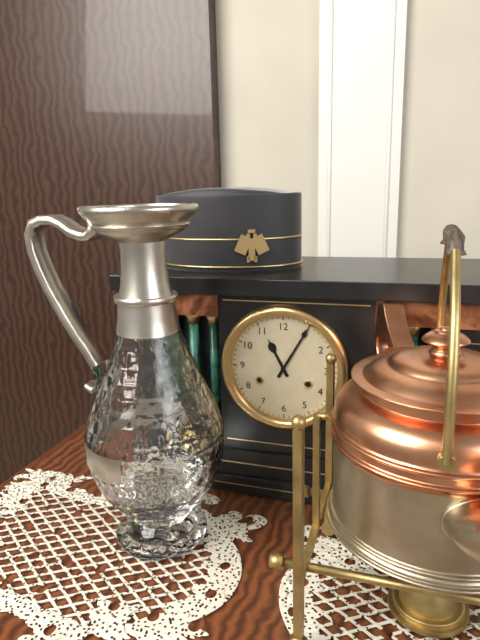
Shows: **11:05**
